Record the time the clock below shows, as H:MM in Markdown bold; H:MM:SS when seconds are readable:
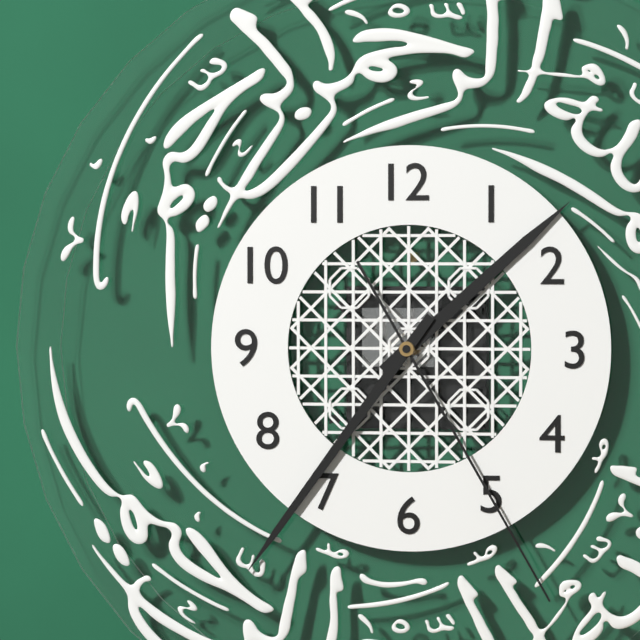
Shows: **1:36:25**
